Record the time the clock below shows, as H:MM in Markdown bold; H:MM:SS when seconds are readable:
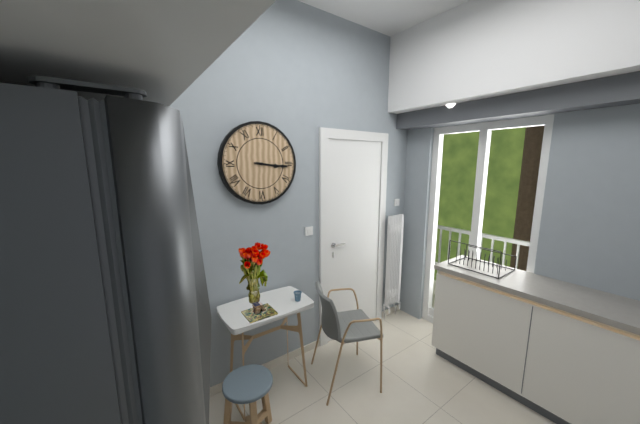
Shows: **3:16**
